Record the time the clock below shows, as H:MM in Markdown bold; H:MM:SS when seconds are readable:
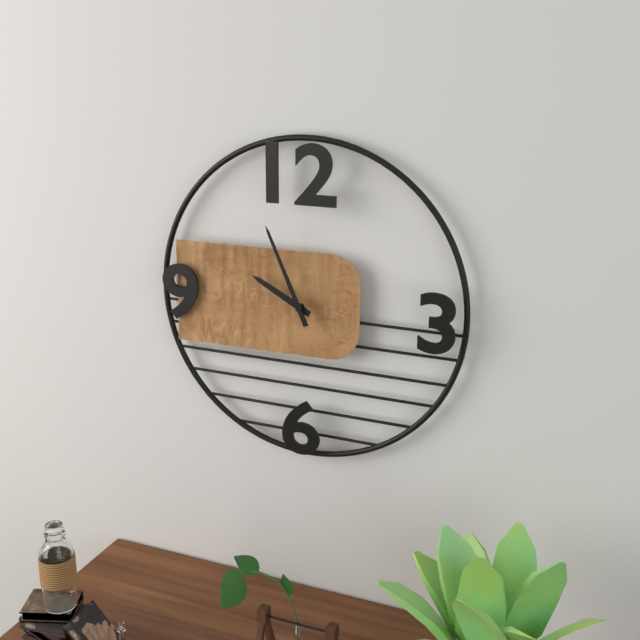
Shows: **9:56**
